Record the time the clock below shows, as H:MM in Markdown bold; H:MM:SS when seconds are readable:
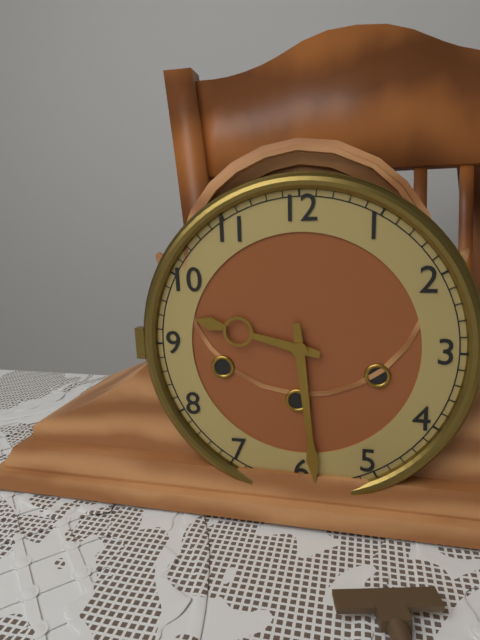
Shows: **9:29**
